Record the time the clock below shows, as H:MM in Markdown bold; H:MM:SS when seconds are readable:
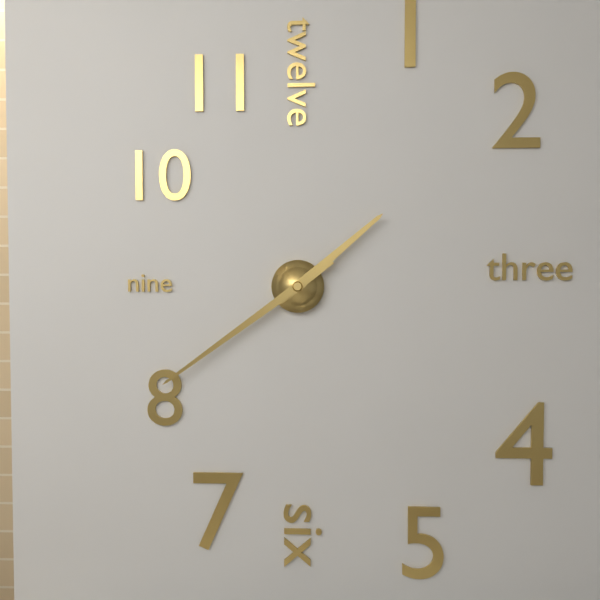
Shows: **1:39**
